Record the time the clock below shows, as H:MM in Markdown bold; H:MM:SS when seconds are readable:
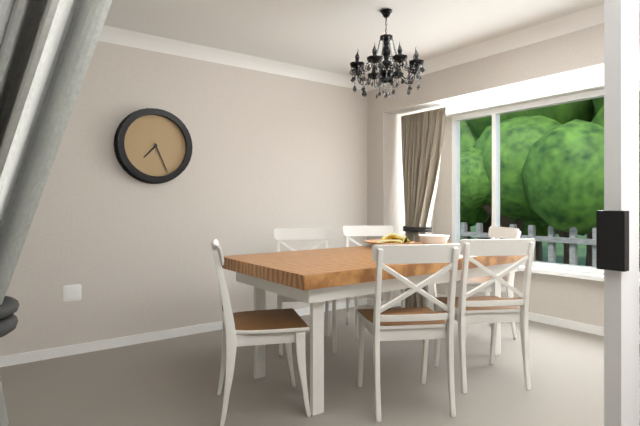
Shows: **7:26**
